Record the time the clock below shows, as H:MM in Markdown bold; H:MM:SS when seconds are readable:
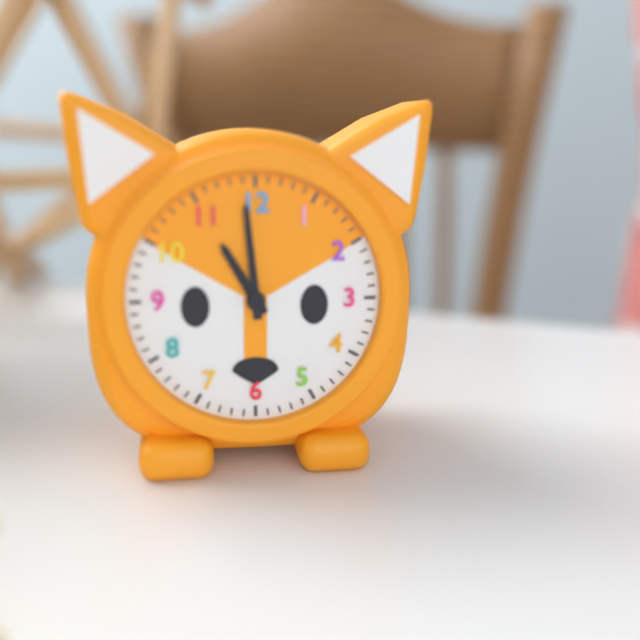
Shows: **10:59**
